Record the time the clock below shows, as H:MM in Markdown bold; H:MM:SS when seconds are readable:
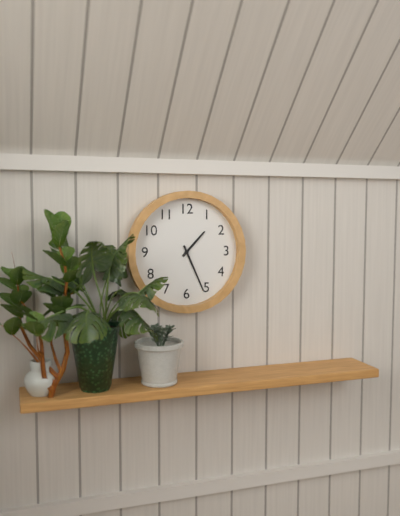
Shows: **1:26**
